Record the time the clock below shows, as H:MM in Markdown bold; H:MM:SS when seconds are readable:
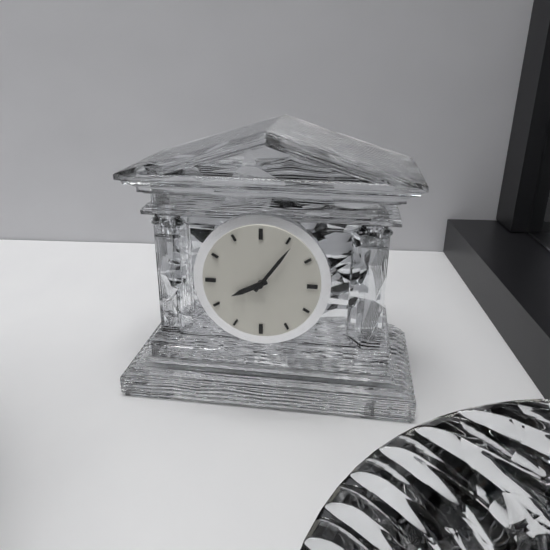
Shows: **8:06**
